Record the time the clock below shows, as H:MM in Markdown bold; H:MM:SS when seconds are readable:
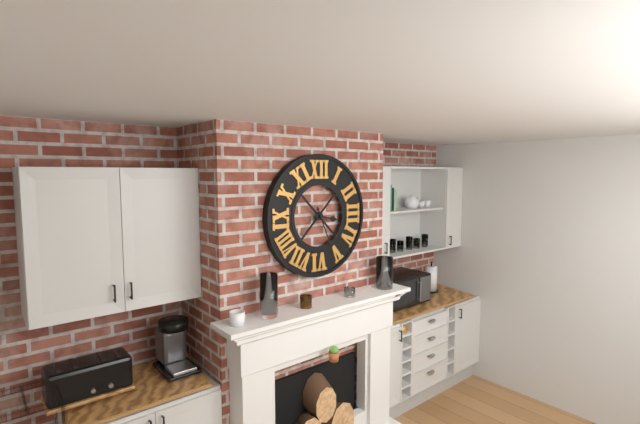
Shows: **3:26**
